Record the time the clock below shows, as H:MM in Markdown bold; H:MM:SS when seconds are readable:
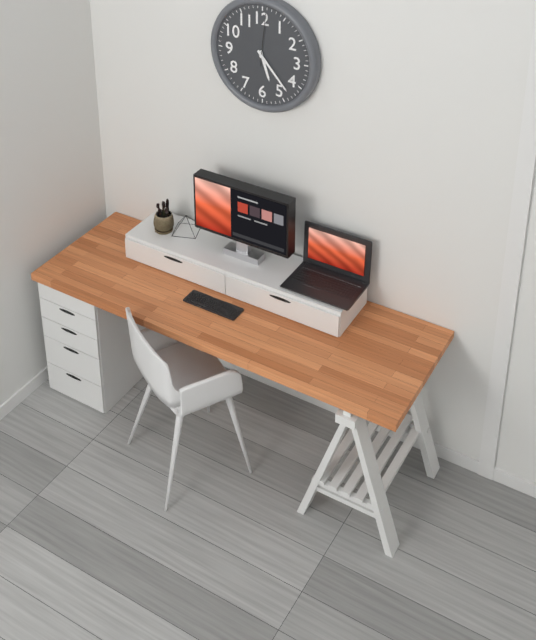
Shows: **5:23:01**
